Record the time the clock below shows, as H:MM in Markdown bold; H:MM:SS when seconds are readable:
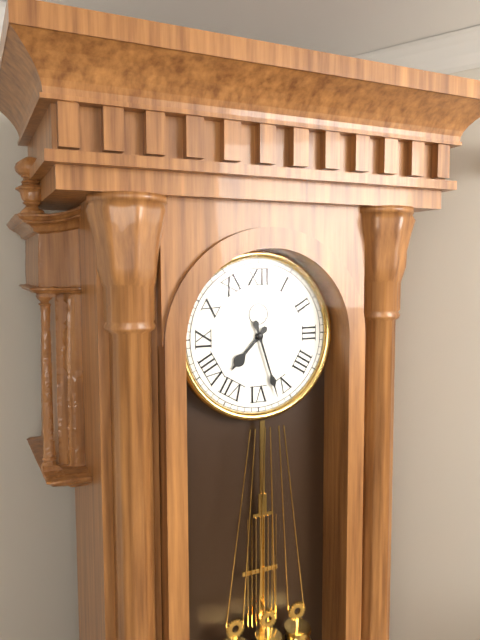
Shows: **7:27**
